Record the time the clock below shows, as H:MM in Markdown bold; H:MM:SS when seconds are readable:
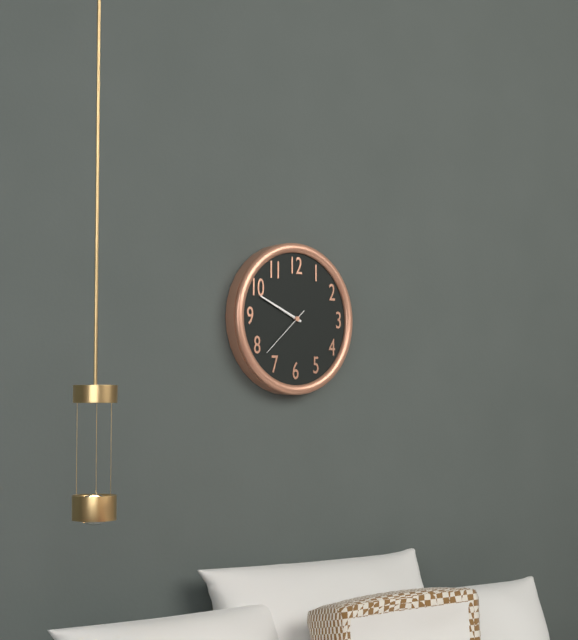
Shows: **9:49:38**
